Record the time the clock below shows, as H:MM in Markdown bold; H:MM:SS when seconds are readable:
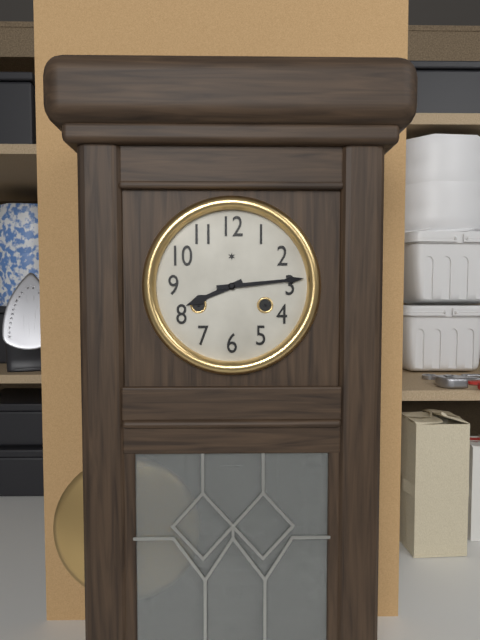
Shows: **8:14**
